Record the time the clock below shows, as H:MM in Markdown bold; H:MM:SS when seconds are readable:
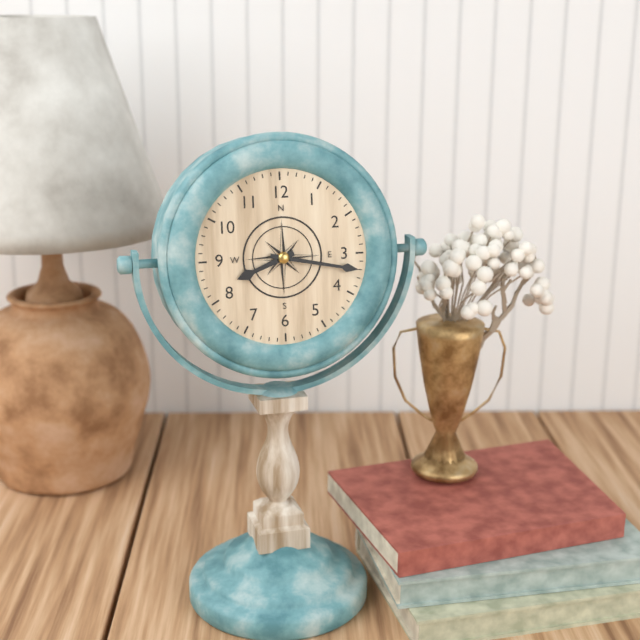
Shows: **8:17**
